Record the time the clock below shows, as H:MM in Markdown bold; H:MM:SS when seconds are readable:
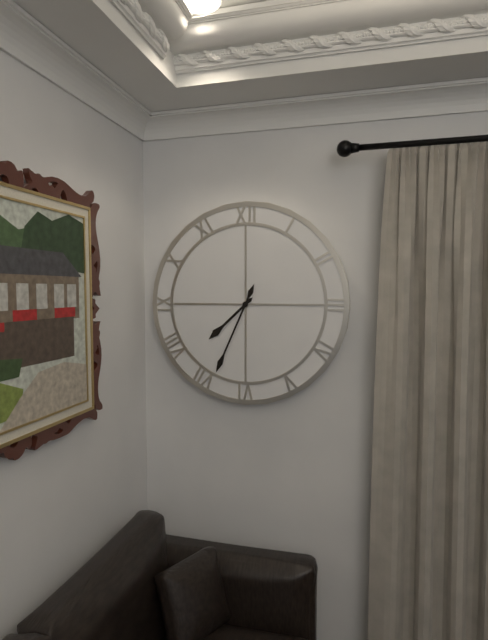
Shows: **7:34**
